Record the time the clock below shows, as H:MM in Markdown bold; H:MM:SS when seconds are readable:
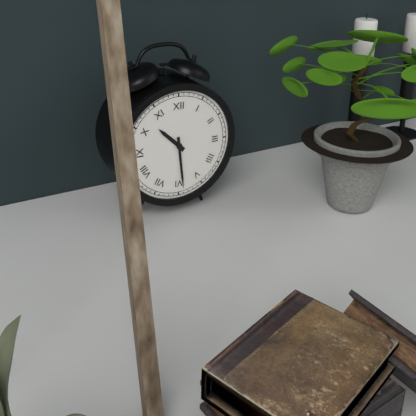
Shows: **10:29**
